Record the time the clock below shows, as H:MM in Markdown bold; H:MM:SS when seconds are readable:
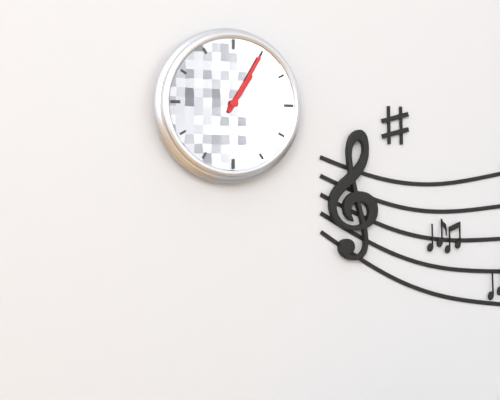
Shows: **1:05**
